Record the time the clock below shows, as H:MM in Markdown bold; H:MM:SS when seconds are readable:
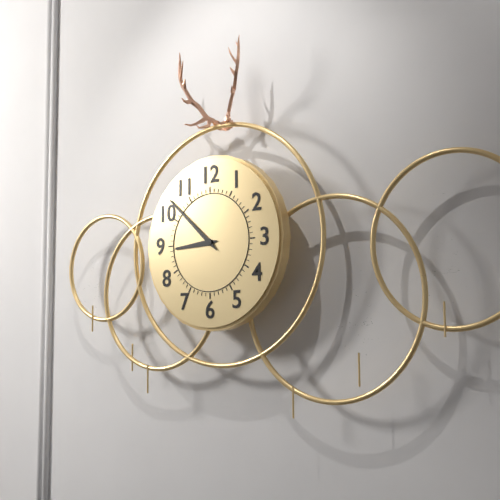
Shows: **8:52**
